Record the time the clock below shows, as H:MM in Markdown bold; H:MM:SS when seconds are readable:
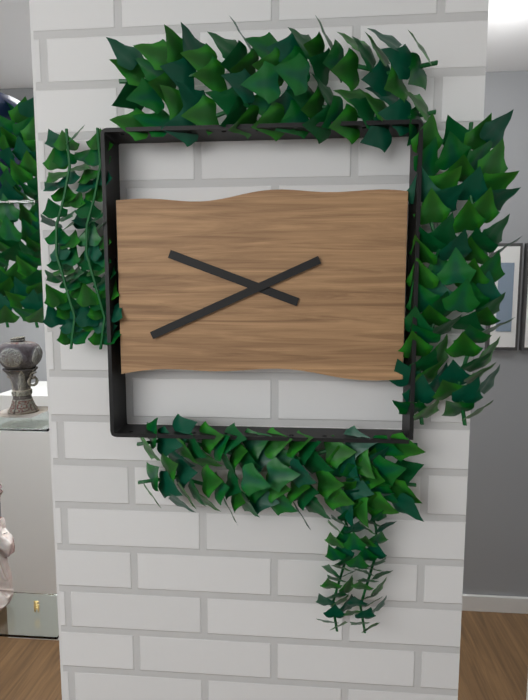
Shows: **9:41**
